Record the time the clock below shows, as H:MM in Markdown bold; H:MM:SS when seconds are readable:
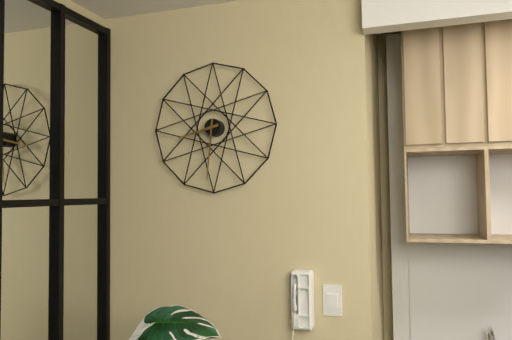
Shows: **8:31**
